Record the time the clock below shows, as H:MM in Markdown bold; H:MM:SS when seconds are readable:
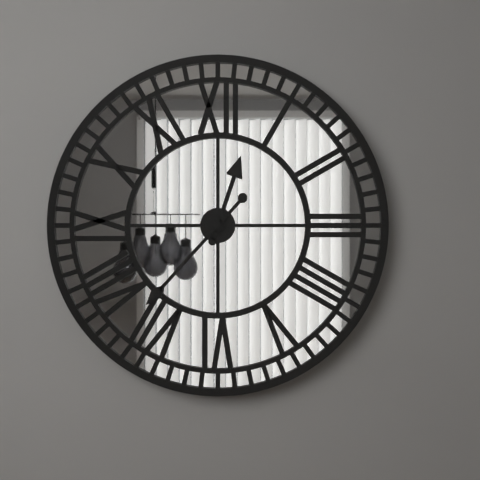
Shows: **12:37**
